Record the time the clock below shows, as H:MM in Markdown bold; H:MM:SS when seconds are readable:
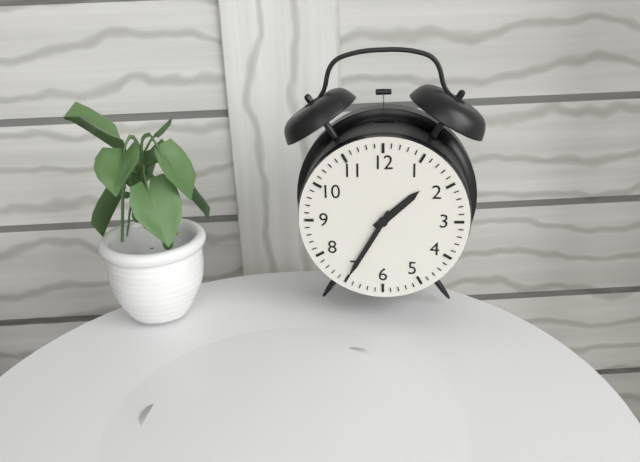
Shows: **1:35**
